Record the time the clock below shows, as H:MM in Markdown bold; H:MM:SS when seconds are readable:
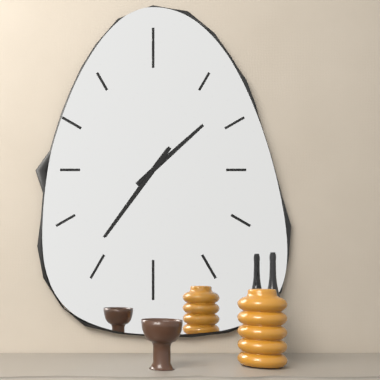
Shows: **1:36**
